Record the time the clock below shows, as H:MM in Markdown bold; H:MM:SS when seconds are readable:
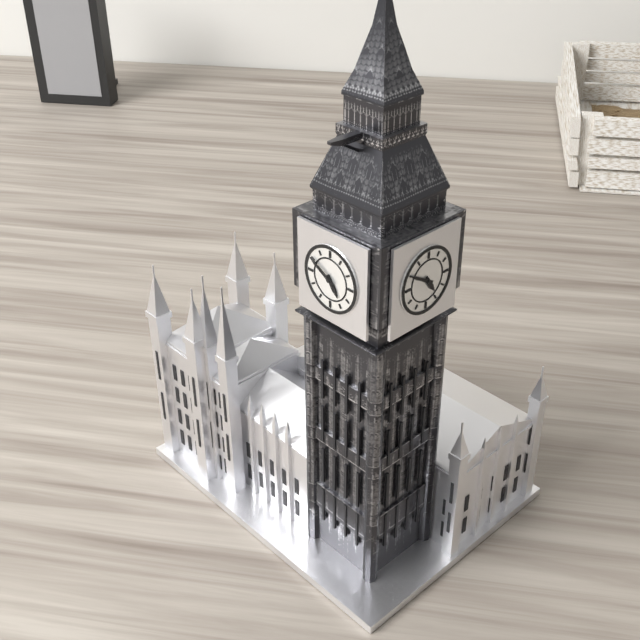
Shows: **4:50**
